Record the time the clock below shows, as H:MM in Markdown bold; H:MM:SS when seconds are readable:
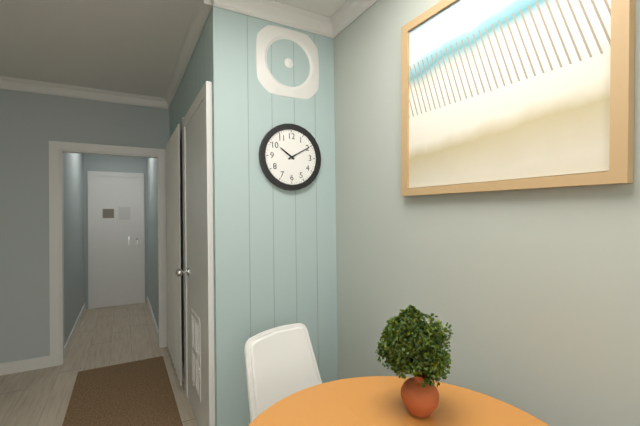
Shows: **10:10**
